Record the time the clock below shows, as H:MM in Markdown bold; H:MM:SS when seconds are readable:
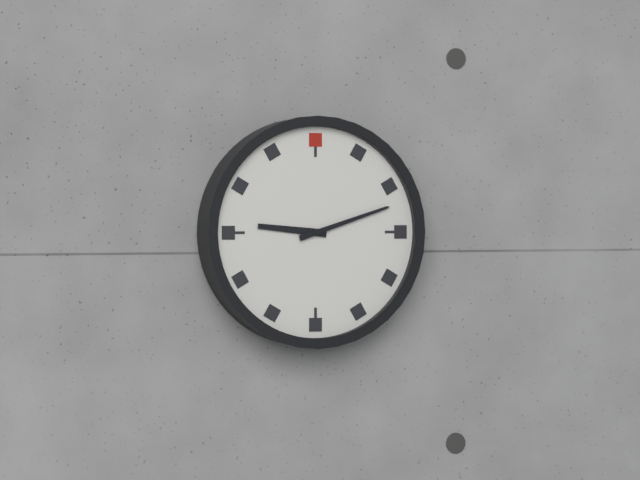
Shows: **9:12**
